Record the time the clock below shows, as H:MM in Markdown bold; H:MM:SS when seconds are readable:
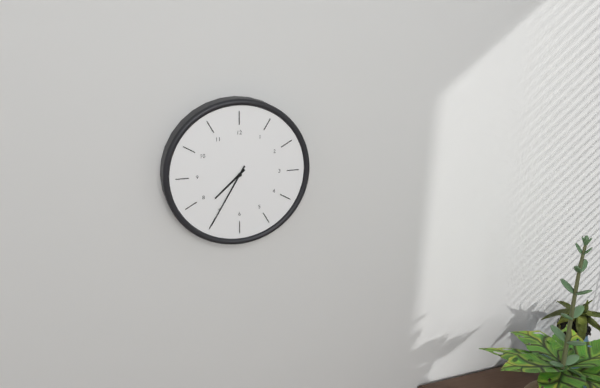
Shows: **7:35**
